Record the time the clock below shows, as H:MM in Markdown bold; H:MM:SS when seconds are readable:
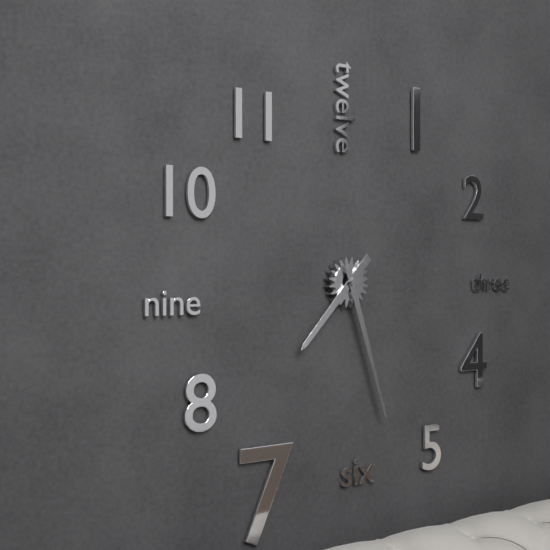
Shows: **7:27**
